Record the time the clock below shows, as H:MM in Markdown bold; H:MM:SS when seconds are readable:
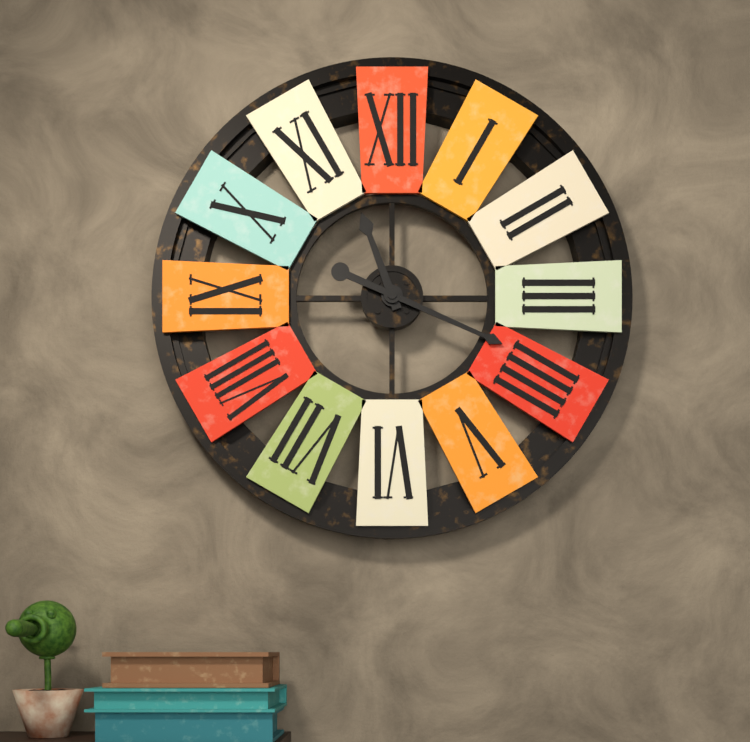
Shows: **11:19**
